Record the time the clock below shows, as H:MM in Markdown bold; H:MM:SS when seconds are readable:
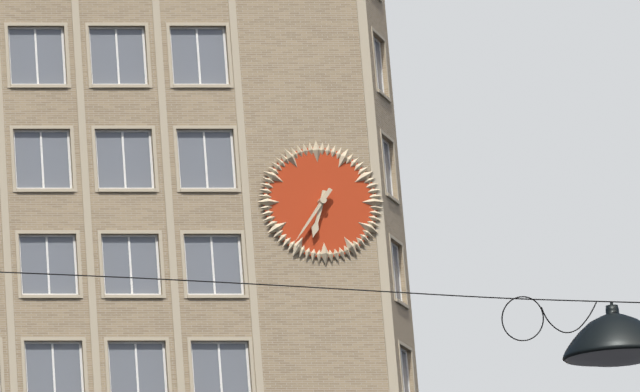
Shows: **6:36**
